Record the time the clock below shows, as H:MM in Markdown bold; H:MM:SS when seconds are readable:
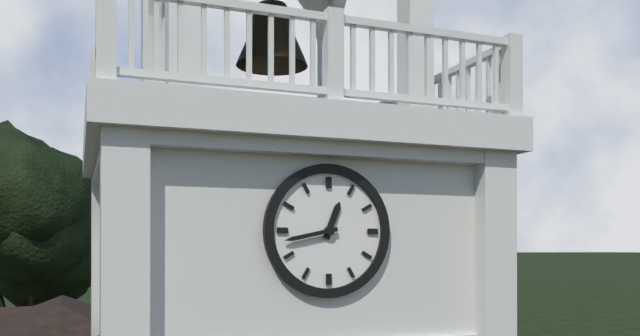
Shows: **12:43**
